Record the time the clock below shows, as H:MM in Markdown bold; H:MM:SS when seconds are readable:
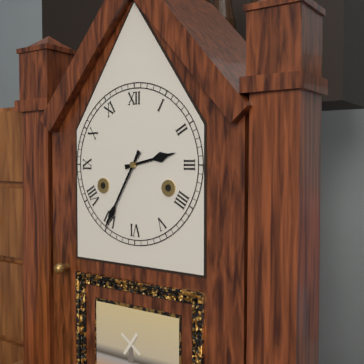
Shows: **2:35**
